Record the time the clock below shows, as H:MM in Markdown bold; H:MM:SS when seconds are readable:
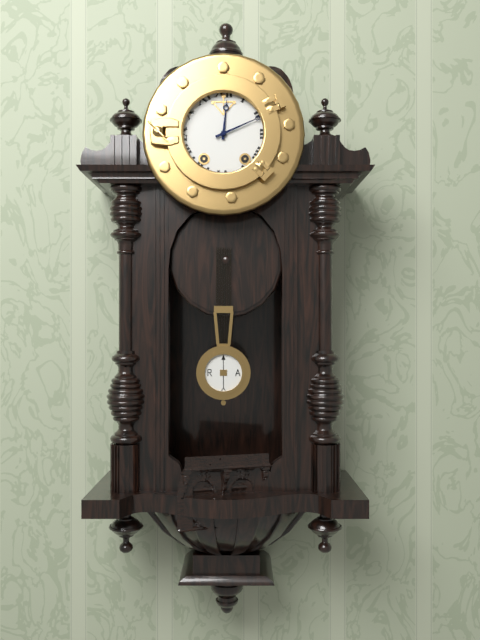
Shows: **12:11**
